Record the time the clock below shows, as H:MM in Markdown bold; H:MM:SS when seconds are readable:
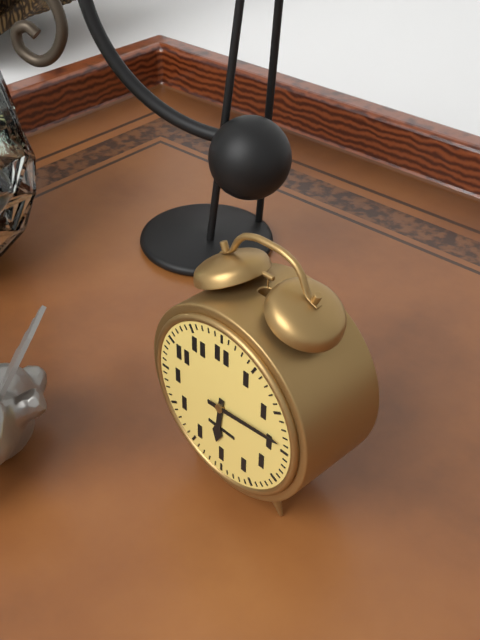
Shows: **6:14**
